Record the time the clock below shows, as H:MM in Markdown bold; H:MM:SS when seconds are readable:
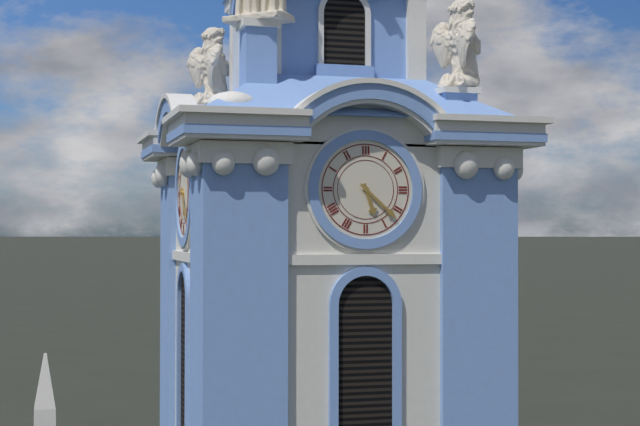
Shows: **5:22**
